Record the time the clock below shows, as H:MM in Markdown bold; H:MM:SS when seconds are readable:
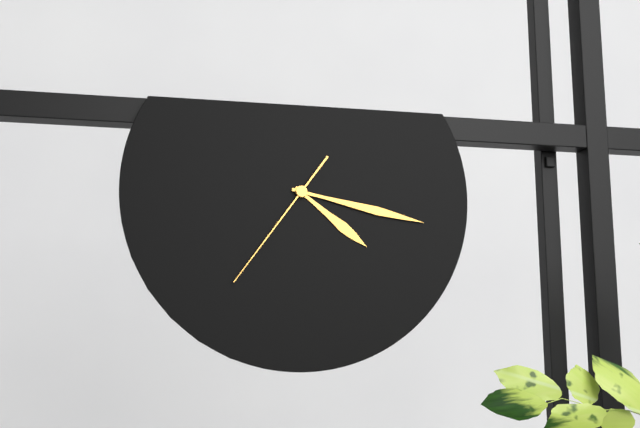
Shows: **4:17:36**
